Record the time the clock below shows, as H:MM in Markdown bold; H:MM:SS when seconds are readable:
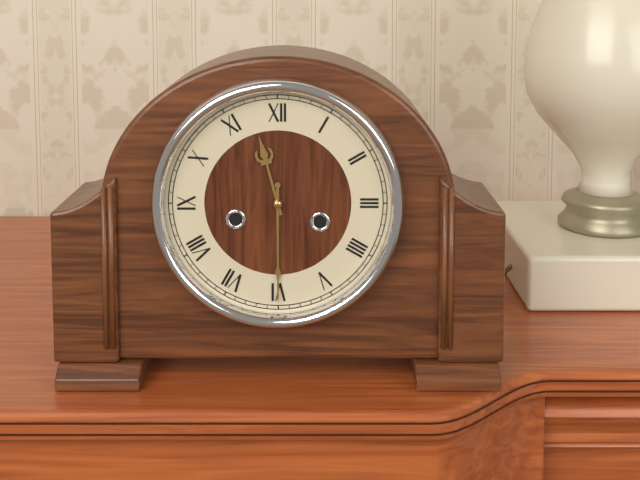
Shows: **11:30**
